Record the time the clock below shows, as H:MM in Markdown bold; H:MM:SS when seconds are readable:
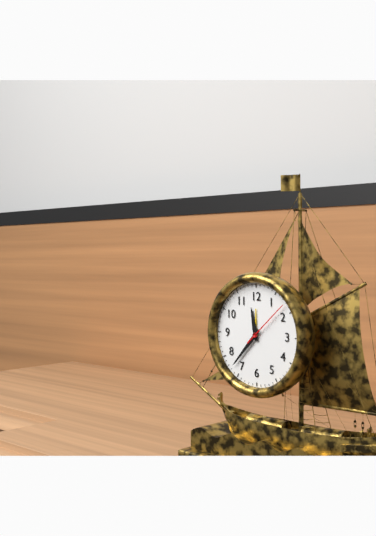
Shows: **11:37:08**
